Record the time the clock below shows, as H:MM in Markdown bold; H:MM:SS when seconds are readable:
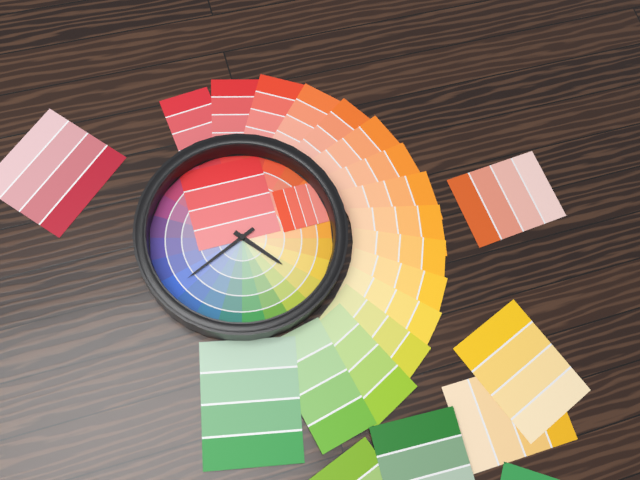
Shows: **4:41**
